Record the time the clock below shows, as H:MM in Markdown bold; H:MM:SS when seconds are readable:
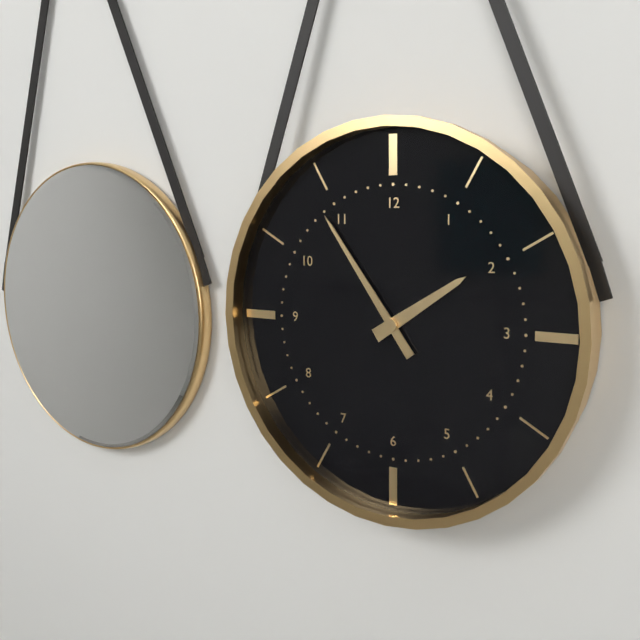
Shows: **1:54**
